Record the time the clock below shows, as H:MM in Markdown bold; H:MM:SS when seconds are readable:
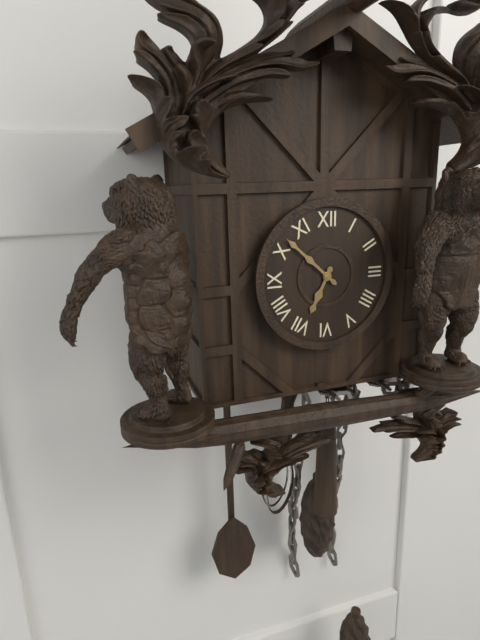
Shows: **6:52**
